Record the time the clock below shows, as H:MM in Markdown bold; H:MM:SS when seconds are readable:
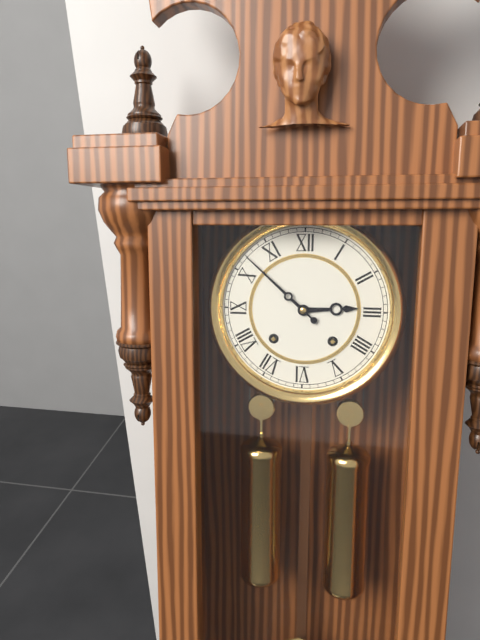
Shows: **2:52**
